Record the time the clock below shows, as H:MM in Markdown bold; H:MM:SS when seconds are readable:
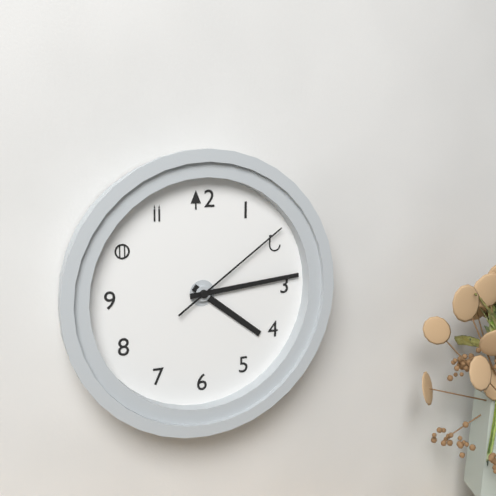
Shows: **4:14:09**
